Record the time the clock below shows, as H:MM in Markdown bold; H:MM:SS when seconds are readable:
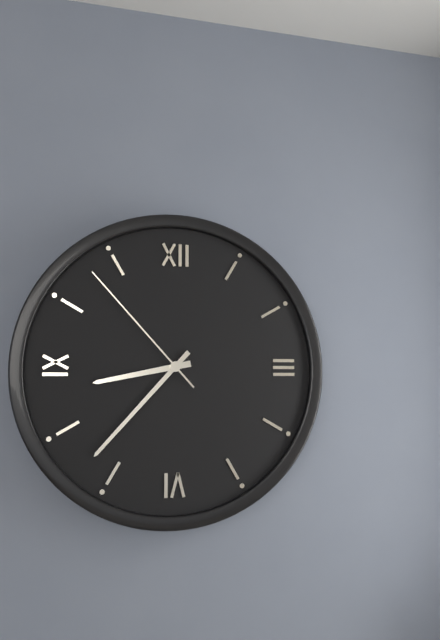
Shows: **8:37:53**
